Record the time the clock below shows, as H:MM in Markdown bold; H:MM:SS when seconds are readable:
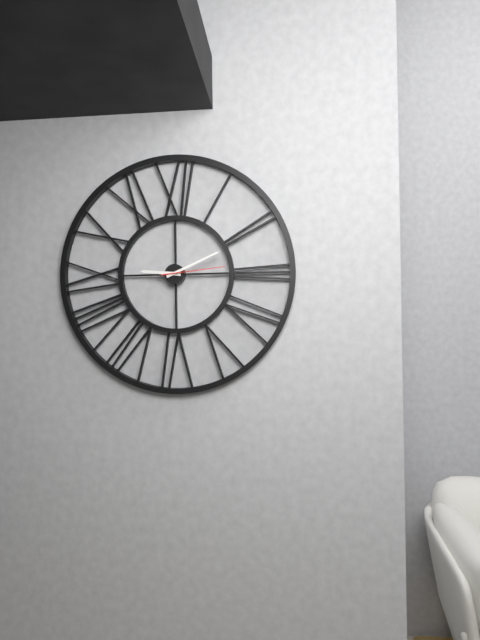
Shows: **9:11:14**
